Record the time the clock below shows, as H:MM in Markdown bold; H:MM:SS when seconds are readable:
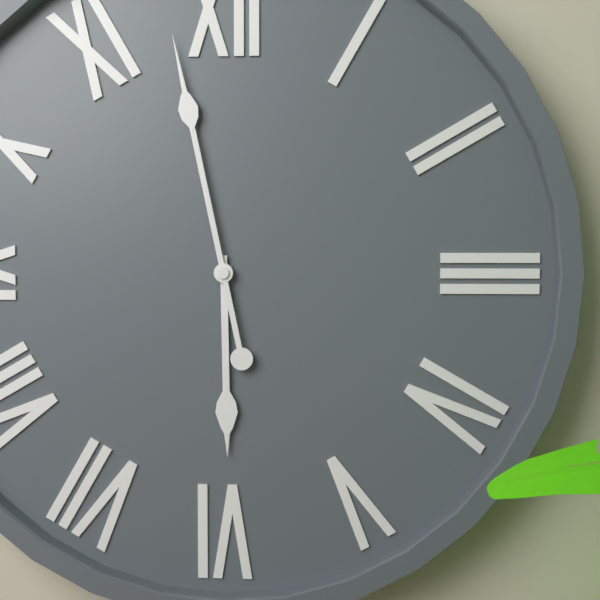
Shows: **5:58**
